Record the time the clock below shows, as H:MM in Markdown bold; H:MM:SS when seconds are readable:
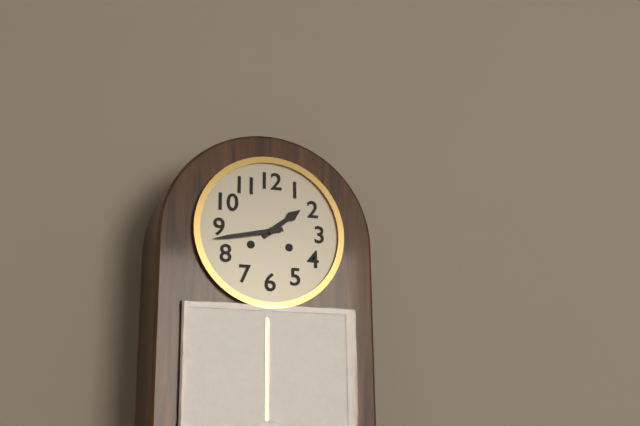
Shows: **1:43**
